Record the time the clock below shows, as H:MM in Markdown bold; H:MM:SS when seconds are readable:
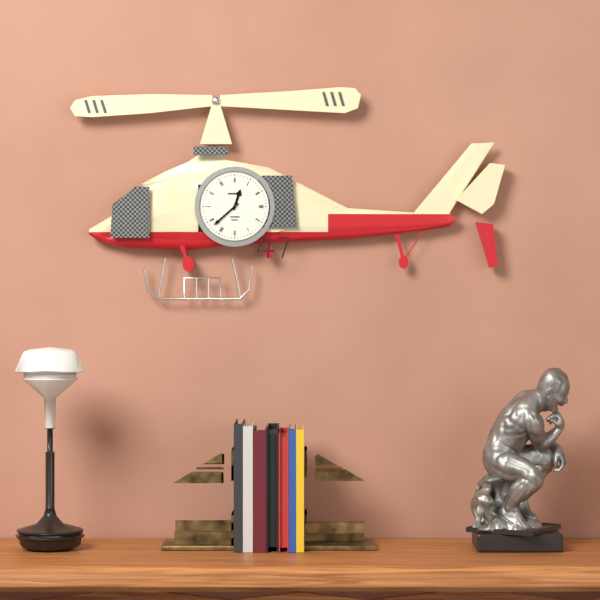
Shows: **12:38**
